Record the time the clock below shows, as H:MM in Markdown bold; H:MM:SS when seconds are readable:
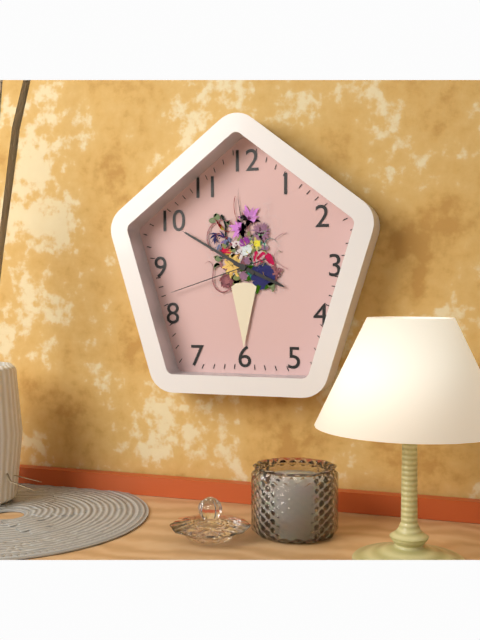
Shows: **3:50:42**
